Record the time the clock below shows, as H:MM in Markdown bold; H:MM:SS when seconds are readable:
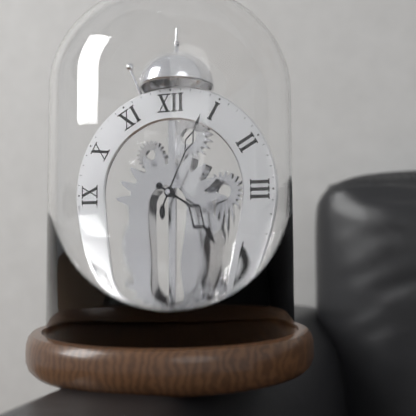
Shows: **4:04**
